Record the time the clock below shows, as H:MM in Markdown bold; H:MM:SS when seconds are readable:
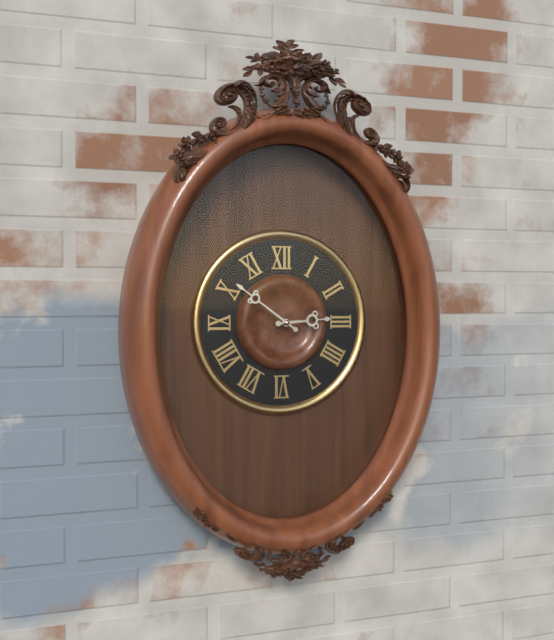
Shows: **2:51**
